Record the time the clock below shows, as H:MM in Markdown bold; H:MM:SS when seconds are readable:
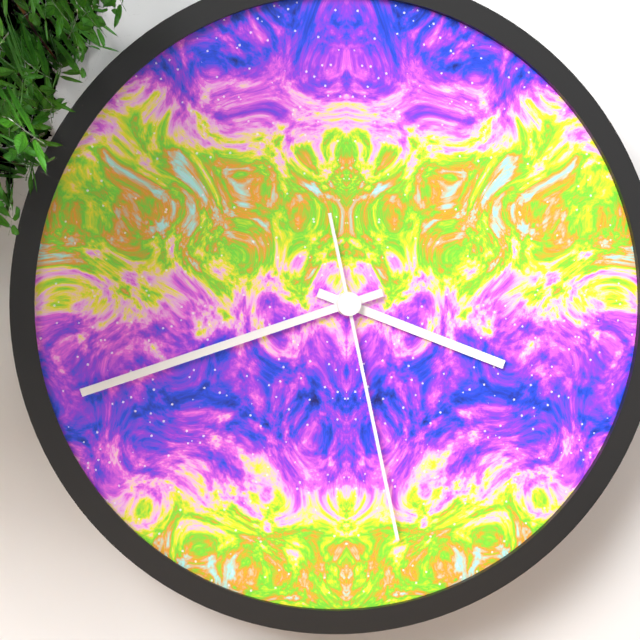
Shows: **3:42:28**
